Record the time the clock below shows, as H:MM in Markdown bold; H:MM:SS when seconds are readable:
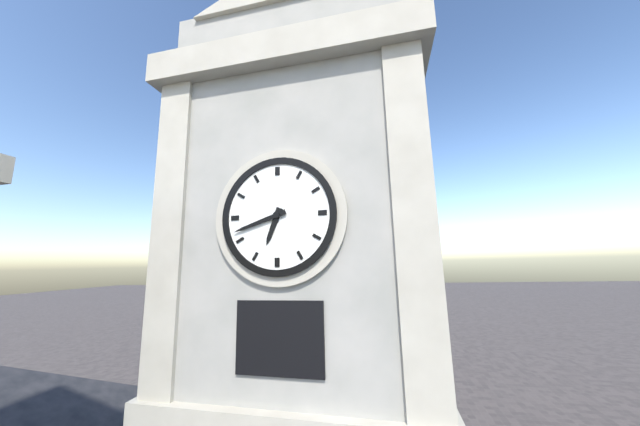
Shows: **6:42**
